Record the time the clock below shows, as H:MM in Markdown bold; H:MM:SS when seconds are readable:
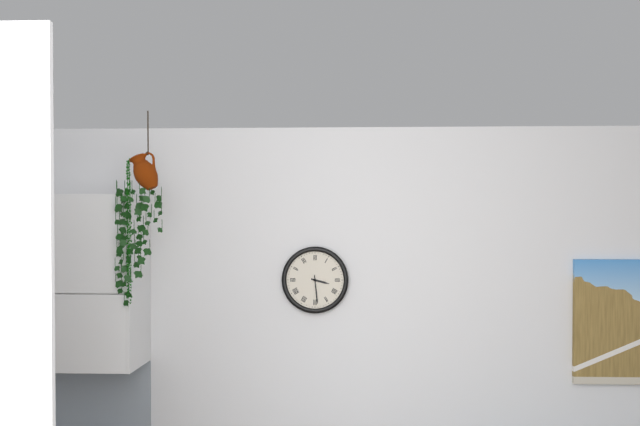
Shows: **3:29**
